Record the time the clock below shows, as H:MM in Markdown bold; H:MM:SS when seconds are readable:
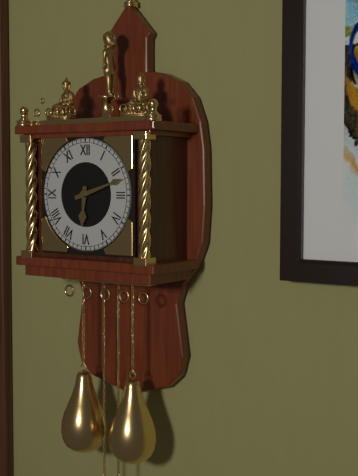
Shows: **6:12**
